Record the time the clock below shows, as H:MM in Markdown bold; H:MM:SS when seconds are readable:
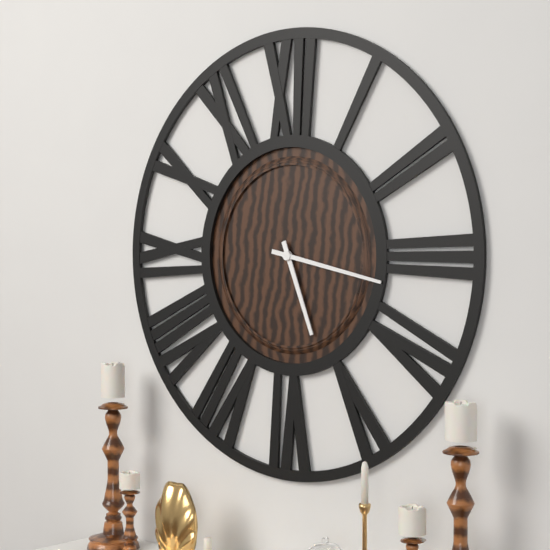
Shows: **5:17**
